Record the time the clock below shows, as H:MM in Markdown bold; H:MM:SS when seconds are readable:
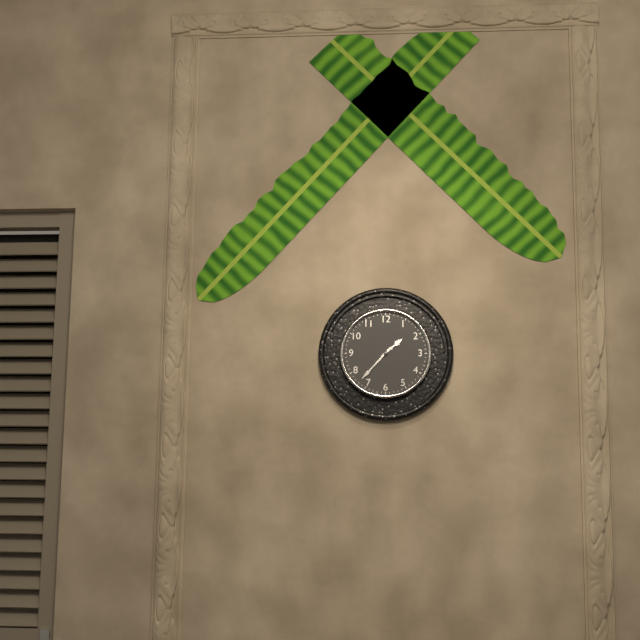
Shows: **1:37**
